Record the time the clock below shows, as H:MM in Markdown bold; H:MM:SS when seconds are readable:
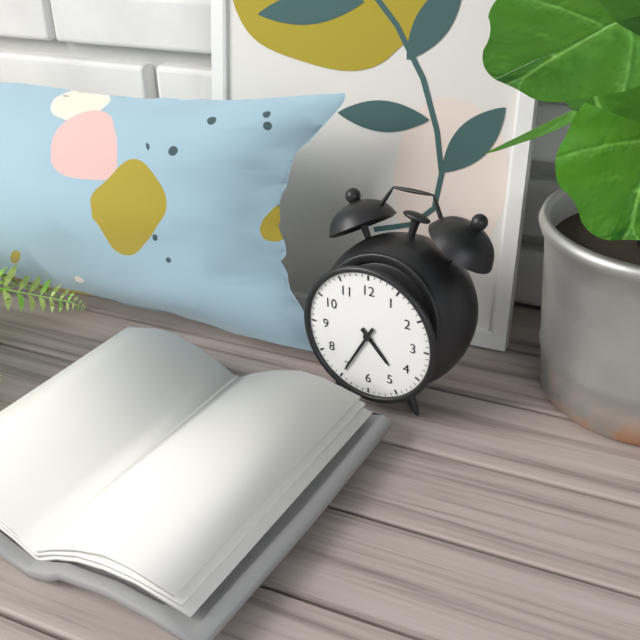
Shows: **4:35**
